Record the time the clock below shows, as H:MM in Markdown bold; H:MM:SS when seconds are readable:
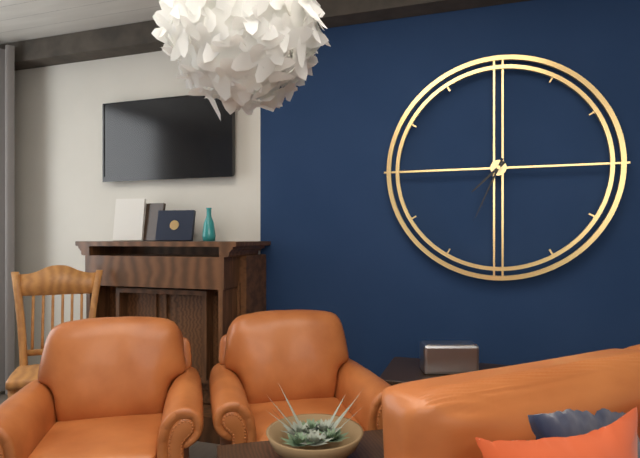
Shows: **7:34**
